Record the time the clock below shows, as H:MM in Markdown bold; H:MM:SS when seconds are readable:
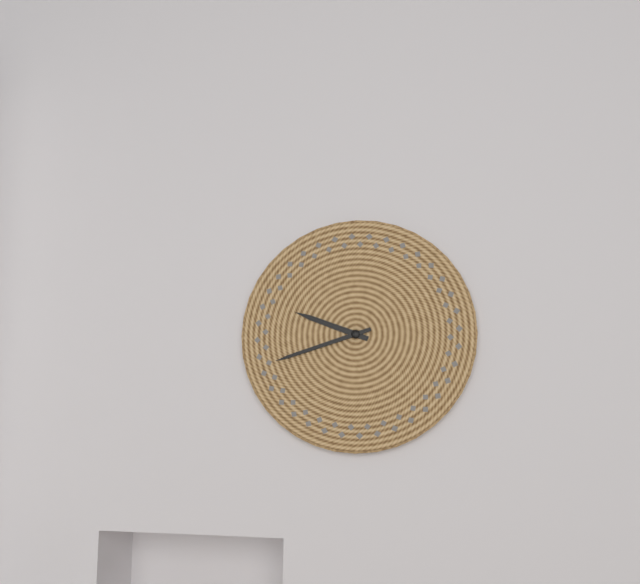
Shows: **9:42**
